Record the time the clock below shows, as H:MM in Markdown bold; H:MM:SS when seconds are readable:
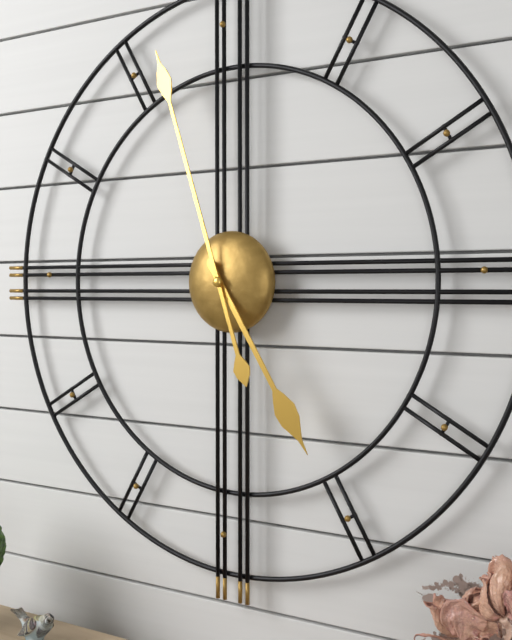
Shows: **4:57**
